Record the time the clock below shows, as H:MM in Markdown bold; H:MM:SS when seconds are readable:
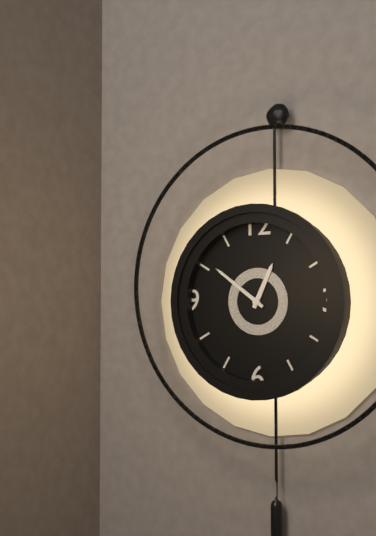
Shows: **12:51**
